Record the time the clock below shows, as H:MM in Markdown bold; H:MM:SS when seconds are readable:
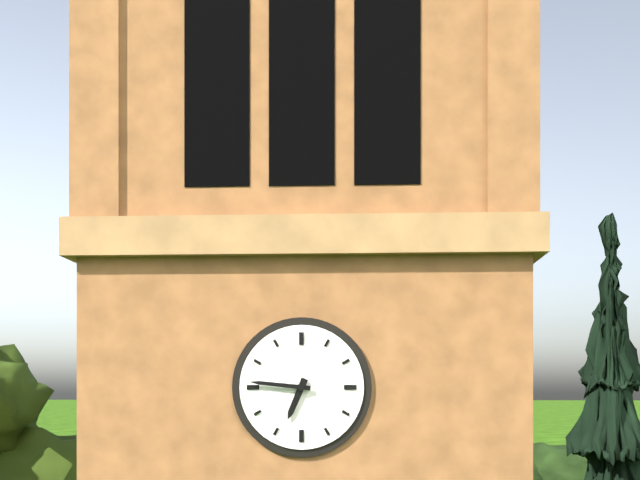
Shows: **6:46**
